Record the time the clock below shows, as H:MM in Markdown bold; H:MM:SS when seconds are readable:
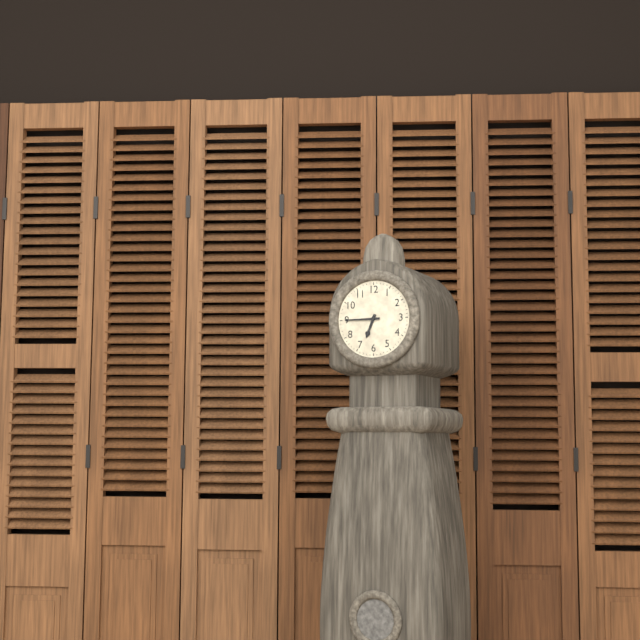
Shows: **6:45**
